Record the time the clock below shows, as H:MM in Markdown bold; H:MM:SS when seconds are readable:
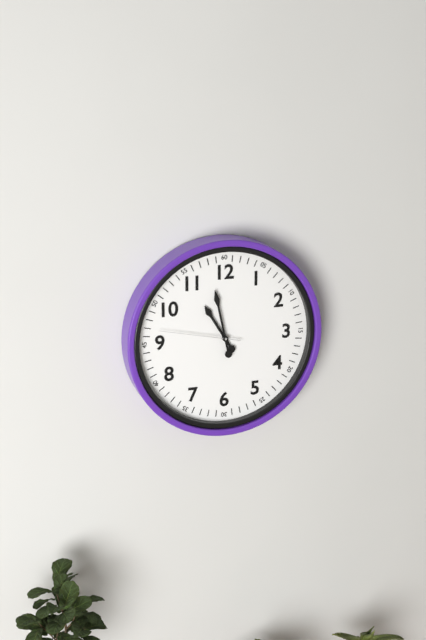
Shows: **10:58:47**
